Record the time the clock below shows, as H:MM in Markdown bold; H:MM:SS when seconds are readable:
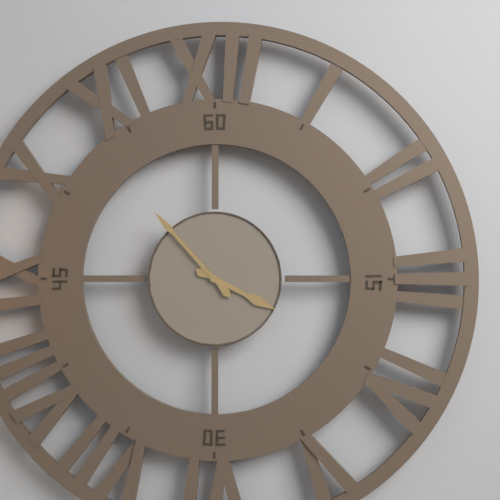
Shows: **3:53**
